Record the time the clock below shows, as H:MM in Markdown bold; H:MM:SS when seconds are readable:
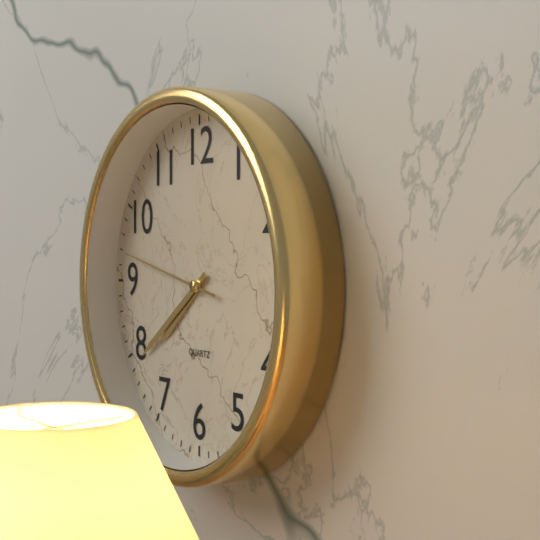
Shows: **7:39:47**
